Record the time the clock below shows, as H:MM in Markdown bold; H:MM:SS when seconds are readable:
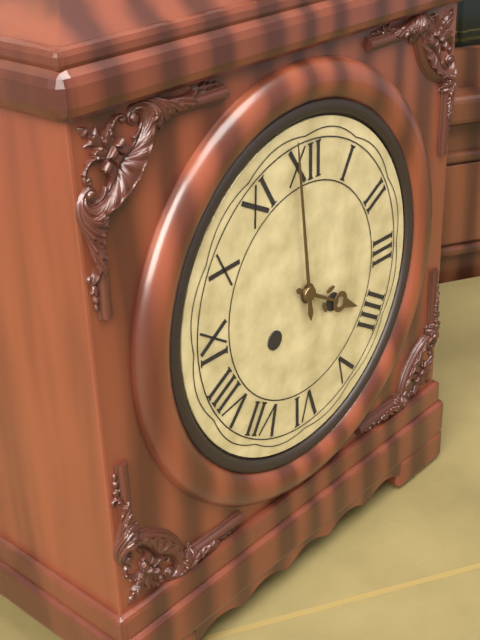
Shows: **3:59**
